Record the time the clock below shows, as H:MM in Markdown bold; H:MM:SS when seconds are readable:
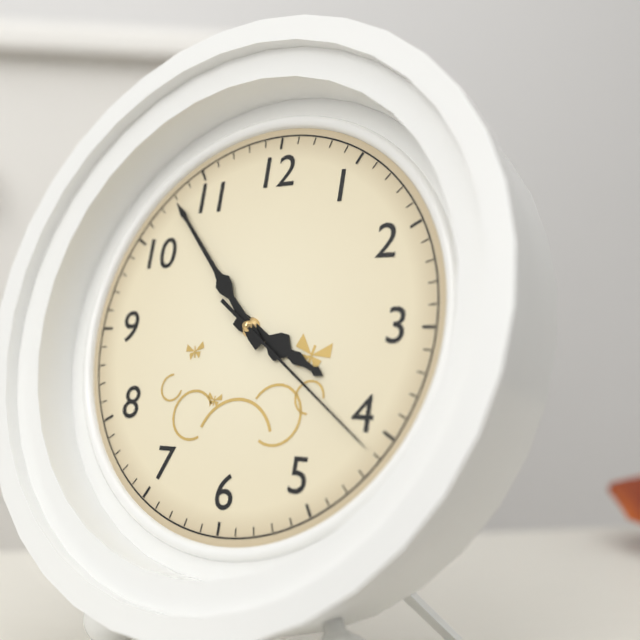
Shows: **3:53:21**
